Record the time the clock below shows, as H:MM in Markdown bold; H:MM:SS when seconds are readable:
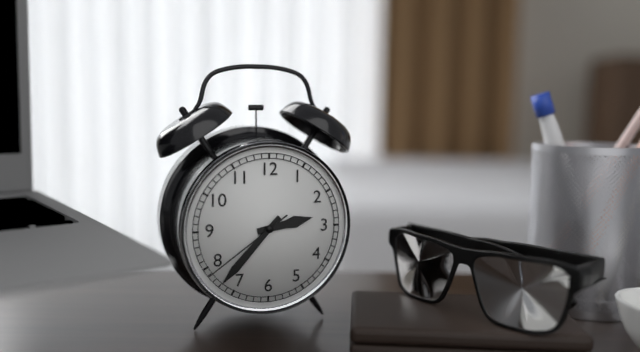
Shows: **2:37:39**
